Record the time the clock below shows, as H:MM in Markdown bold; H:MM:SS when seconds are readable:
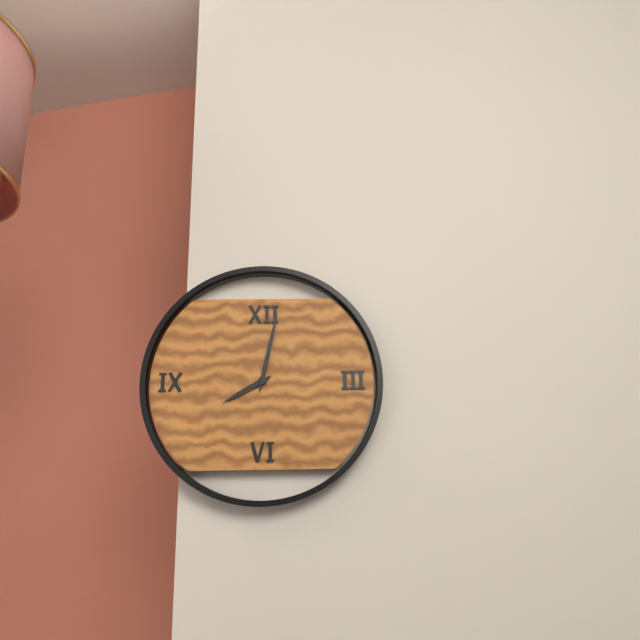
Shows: **8:02**
